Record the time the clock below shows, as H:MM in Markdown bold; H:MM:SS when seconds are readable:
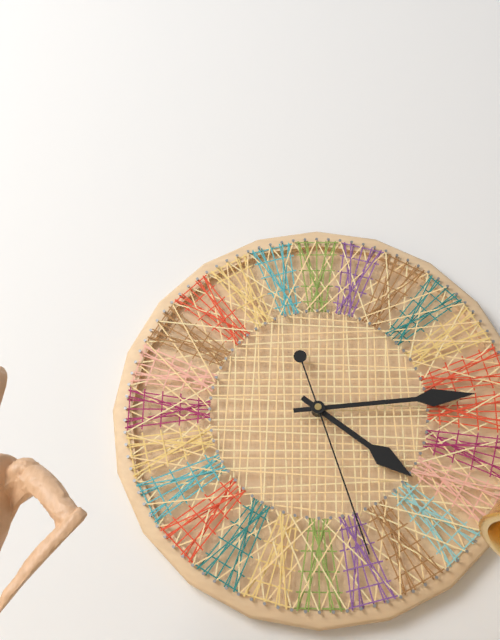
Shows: **4:14:27**
